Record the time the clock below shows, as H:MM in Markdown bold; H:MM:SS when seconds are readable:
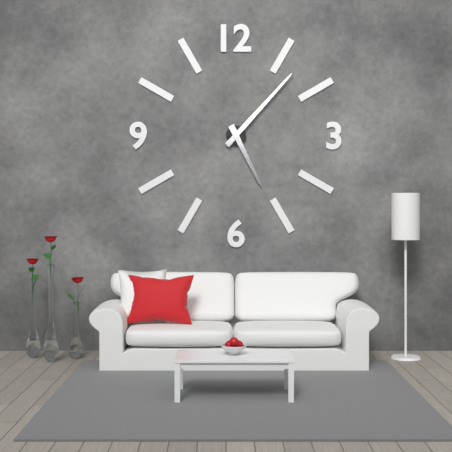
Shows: **5:07**
